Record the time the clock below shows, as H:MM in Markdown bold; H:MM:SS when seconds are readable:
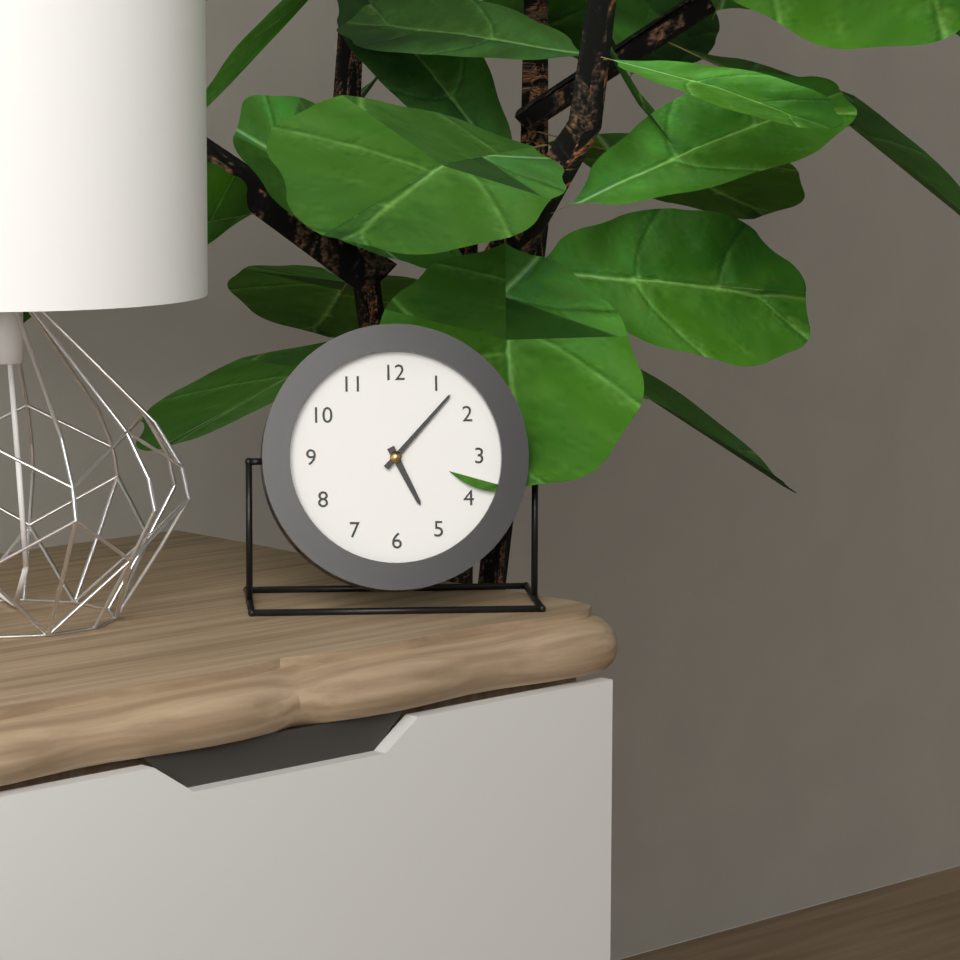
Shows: **5:07**
